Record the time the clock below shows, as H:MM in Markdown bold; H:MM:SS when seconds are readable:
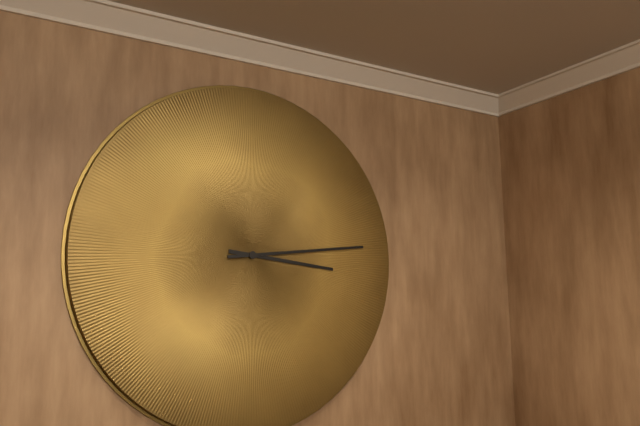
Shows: **3:14**
